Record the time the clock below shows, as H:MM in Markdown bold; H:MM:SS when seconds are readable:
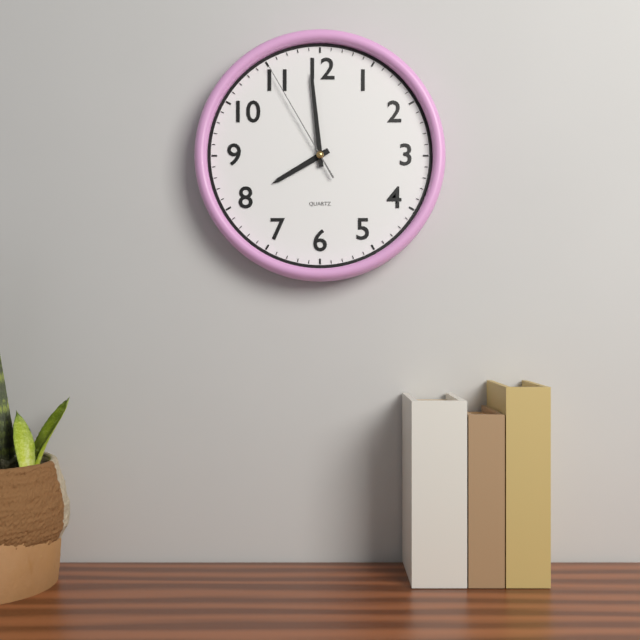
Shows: **7:59:55**
